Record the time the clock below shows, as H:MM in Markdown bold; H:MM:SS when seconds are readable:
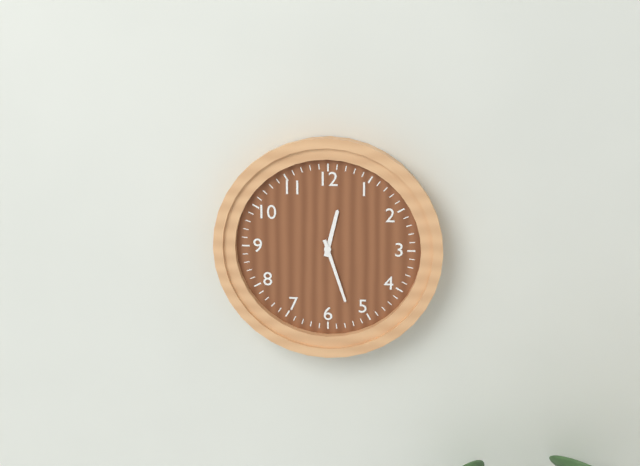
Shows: **12:27**
